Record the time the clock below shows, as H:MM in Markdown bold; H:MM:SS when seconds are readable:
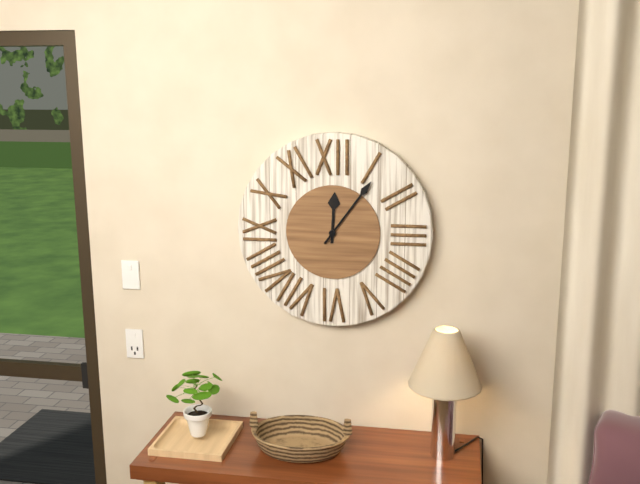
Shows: **12:06**
